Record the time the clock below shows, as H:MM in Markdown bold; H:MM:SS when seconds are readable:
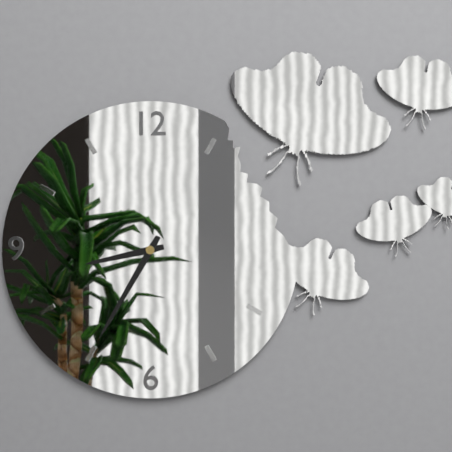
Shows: **8:35**
